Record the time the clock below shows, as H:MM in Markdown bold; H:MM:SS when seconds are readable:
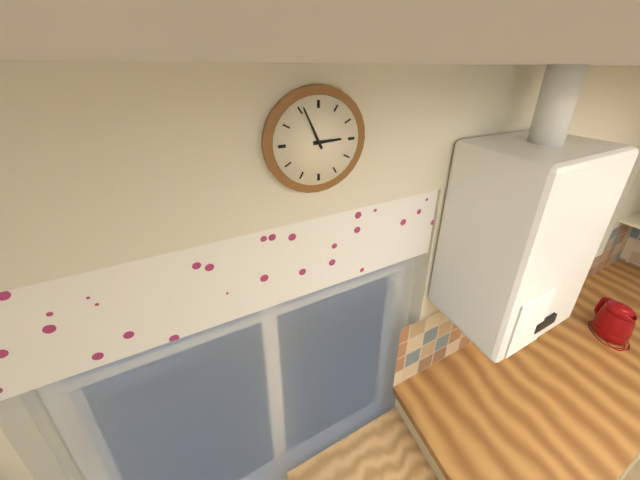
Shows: **2:56**
